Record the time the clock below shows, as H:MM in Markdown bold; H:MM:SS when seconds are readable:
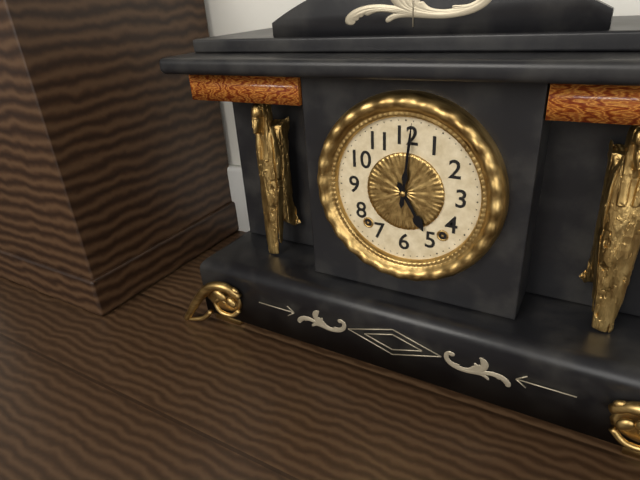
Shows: **5:01**
